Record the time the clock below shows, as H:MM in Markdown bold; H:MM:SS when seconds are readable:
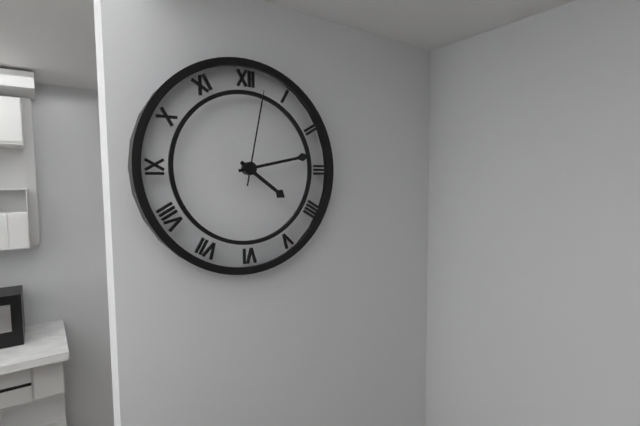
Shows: **4:13:02**
